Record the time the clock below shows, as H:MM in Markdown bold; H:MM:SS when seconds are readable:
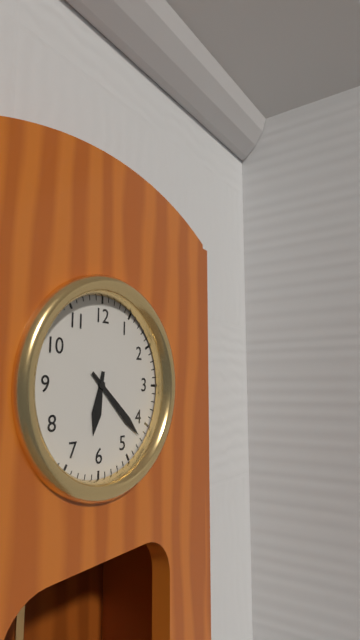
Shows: **6:22**
